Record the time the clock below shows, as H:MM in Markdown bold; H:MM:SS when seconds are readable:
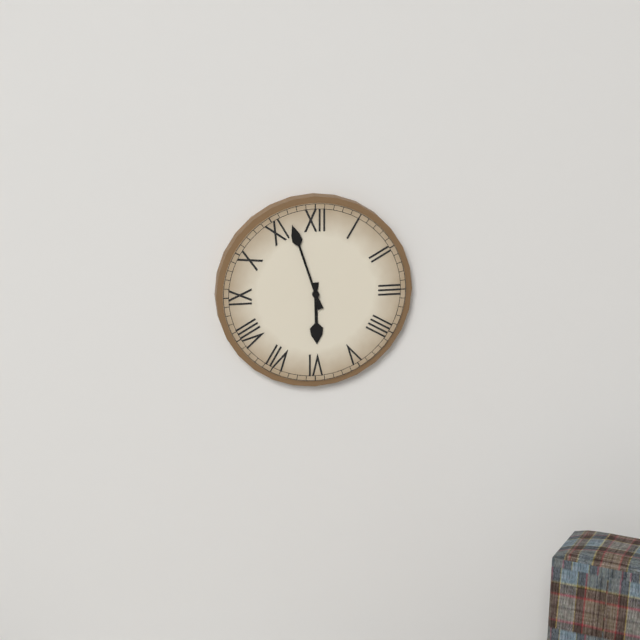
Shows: **5:57**
